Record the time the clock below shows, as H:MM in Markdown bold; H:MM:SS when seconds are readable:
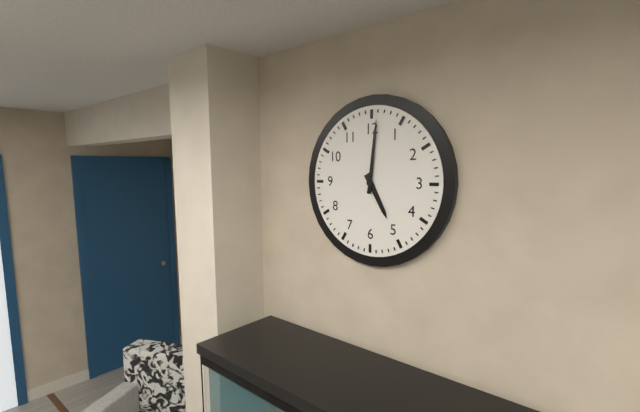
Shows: **5:01**
